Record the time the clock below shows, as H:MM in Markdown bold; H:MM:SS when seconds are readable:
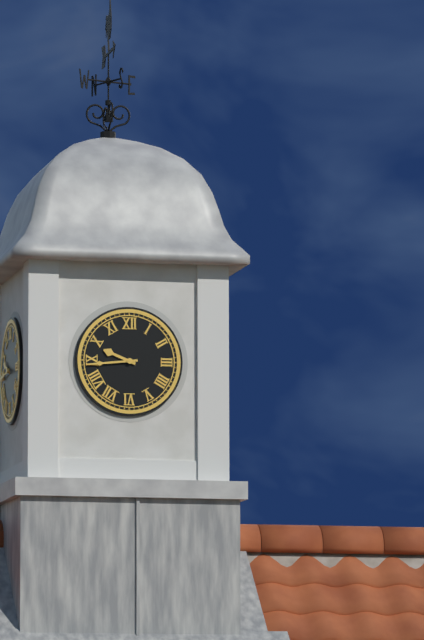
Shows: **9:44**
